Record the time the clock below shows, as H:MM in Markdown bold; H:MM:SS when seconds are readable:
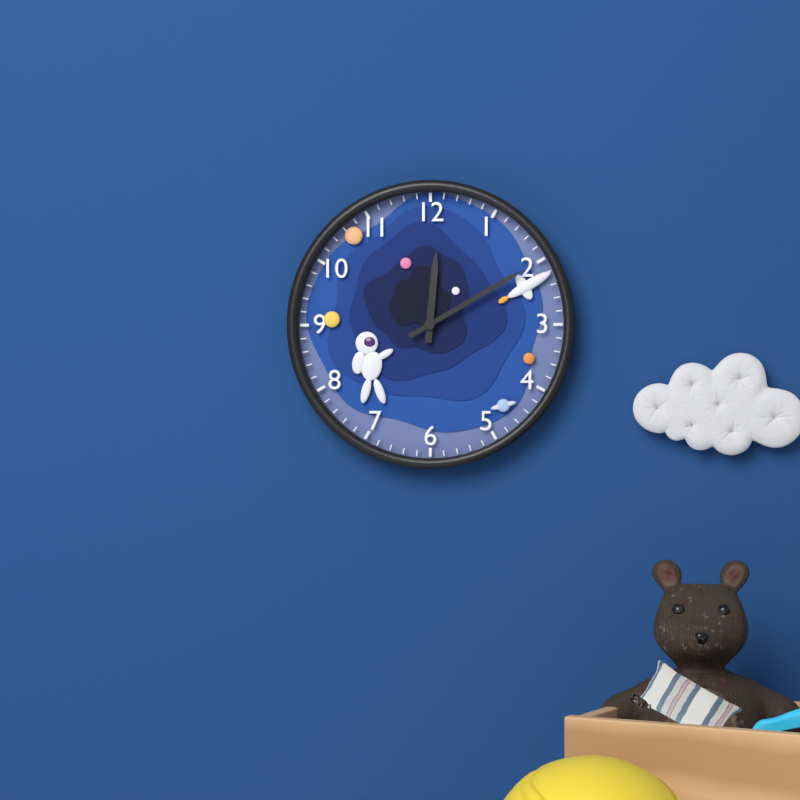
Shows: **12:10**
